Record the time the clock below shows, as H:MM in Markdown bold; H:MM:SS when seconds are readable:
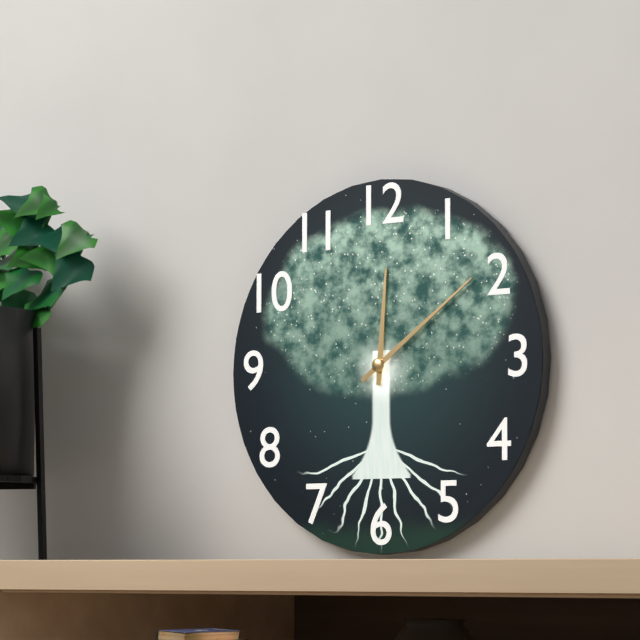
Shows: **12:09**
